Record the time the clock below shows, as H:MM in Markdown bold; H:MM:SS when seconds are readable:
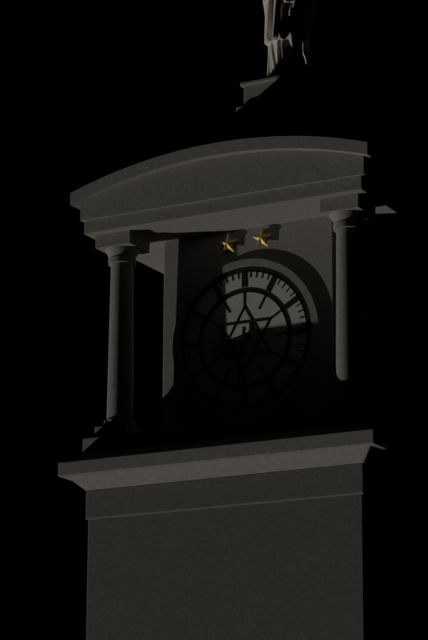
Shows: **8:31**
